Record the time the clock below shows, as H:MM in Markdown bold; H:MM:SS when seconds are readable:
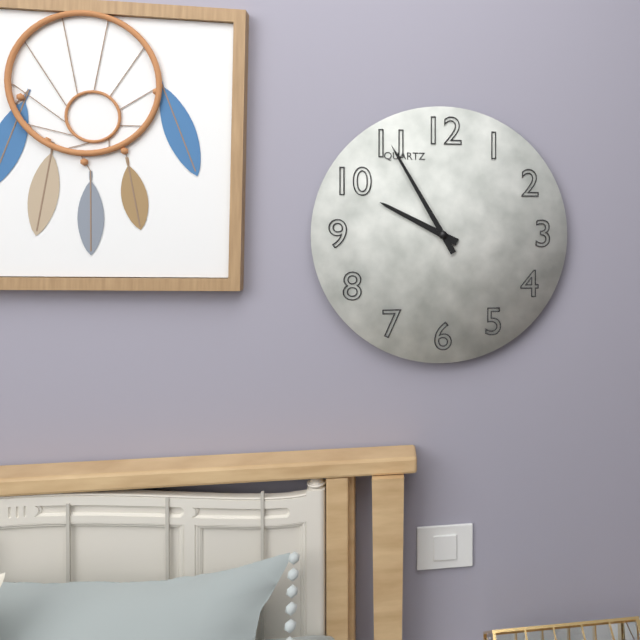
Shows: **9:55**
